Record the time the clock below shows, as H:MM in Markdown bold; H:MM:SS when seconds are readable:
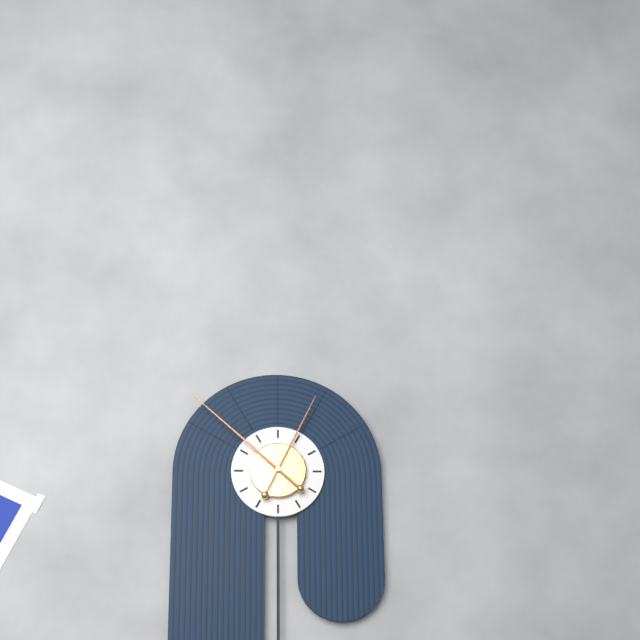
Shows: **12:52**
